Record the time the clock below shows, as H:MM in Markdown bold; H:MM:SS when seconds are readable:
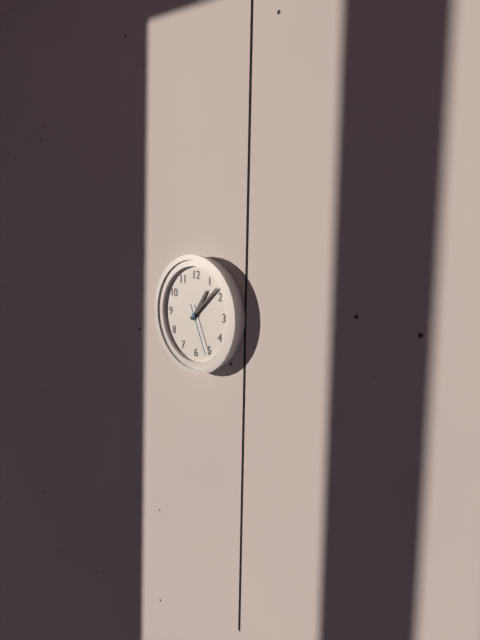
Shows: **1:08:26**
